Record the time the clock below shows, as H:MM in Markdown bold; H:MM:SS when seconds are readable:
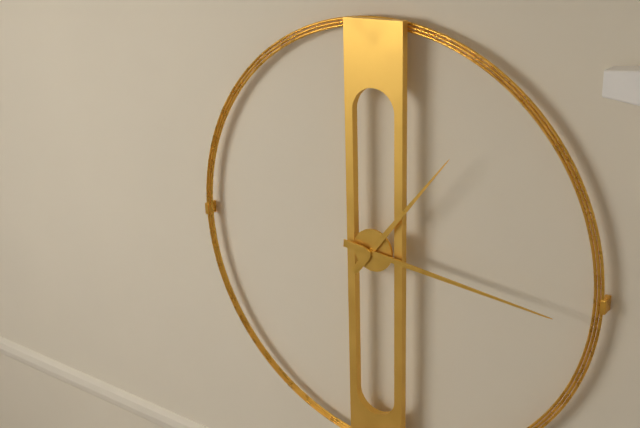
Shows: **1:16**
